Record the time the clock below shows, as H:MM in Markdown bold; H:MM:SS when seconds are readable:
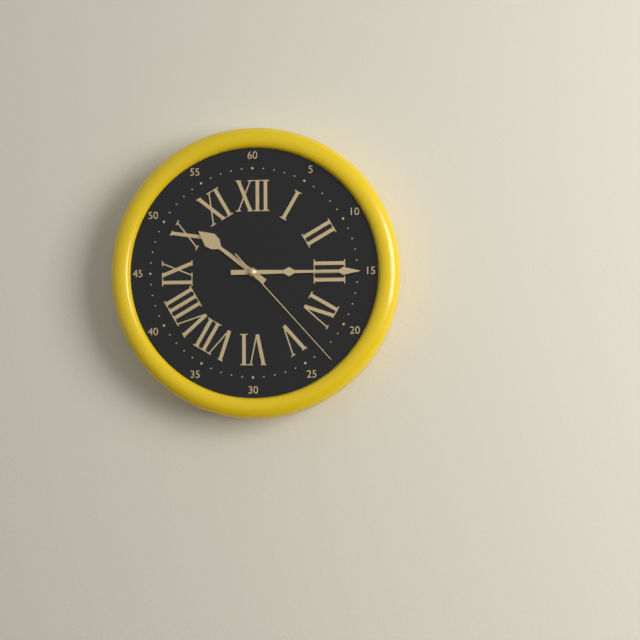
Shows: **10:15:23**
